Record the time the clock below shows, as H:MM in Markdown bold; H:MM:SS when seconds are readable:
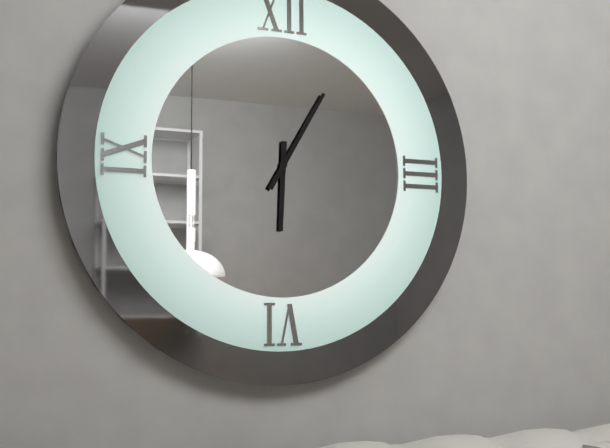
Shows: **6:05**
